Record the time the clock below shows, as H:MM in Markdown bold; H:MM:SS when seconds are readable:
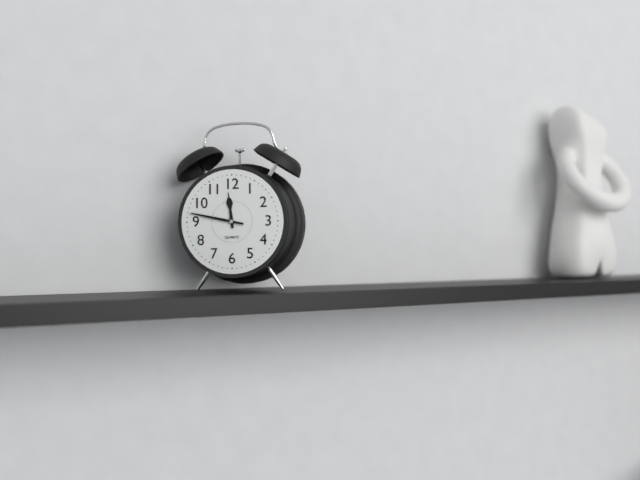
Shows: **11:47**
